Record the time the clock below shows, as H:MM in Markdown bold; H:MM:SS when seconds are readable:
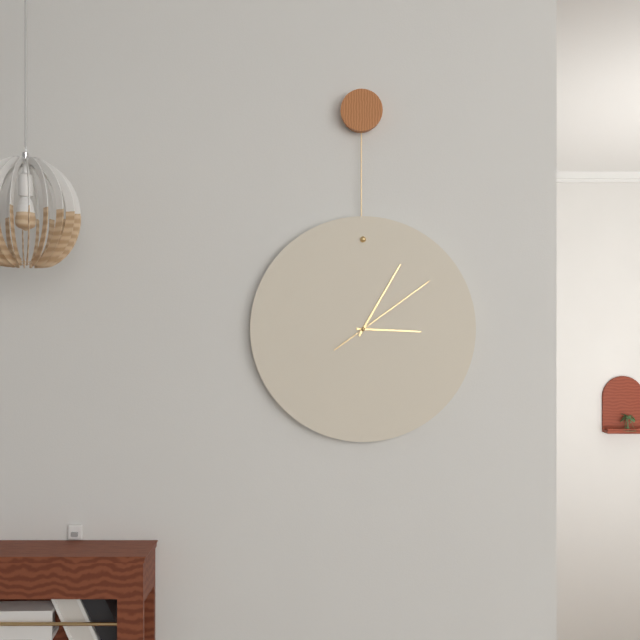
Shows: **3:05:09**
